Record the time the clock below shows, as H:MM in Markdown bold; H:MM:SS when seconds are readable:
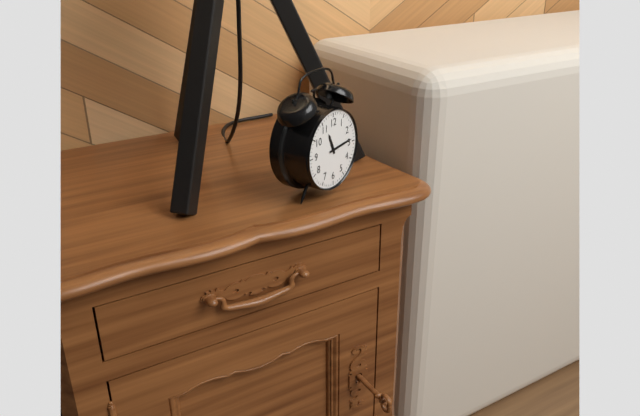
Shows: **11:14**
